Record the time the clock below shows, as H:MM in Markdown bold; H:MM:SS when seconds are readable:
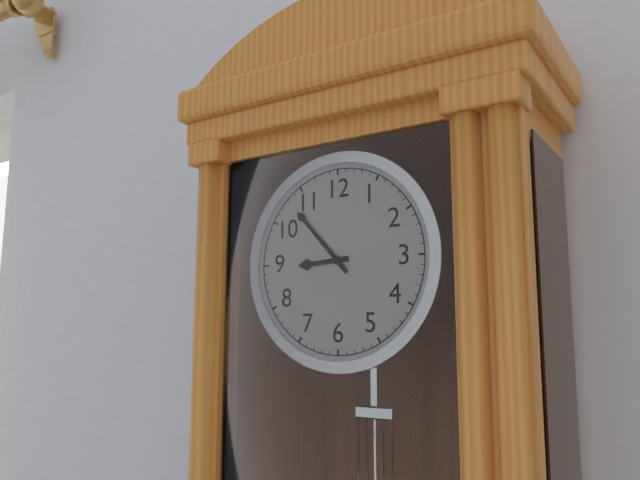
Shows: **8:53**
